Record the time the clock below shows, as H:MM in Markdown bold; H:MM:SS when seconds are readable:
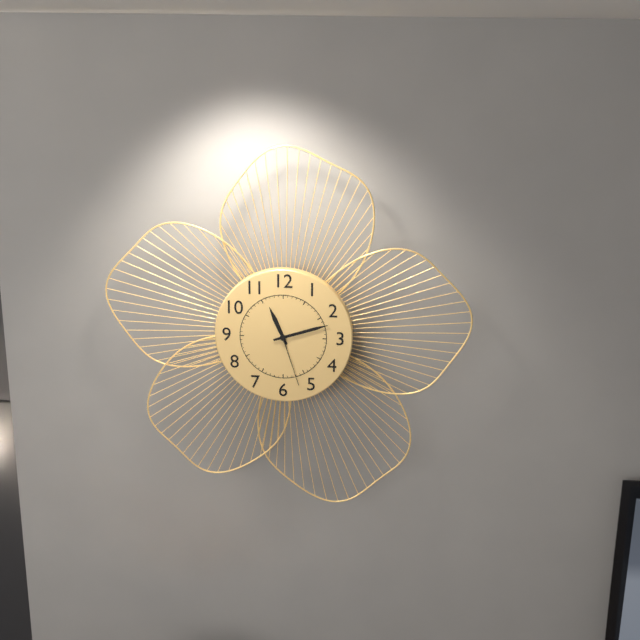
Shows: **11:12:27**
